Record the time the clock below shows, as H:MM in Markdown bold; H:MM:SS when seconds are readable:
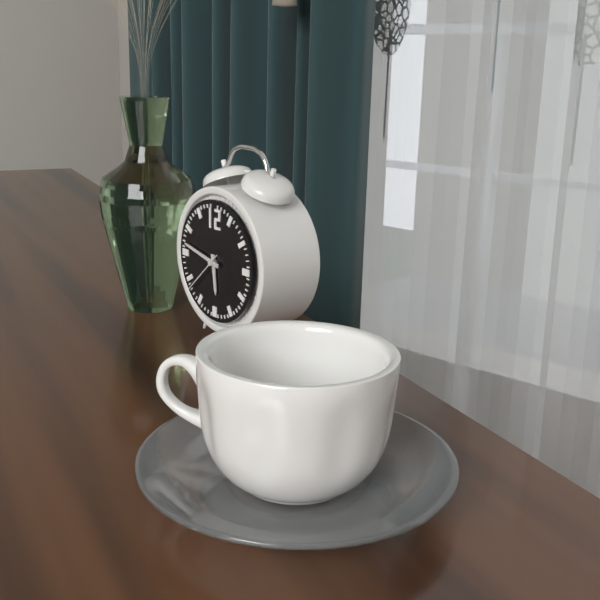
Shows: **5:47**
